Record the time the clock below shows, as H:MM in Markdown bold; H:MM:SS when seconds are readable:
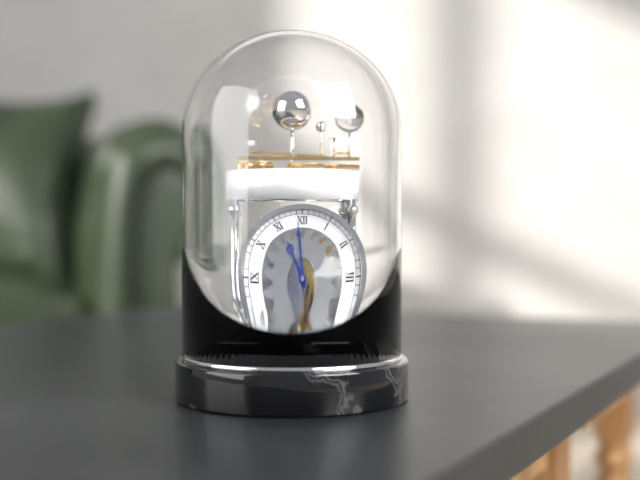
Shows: **10:59**
